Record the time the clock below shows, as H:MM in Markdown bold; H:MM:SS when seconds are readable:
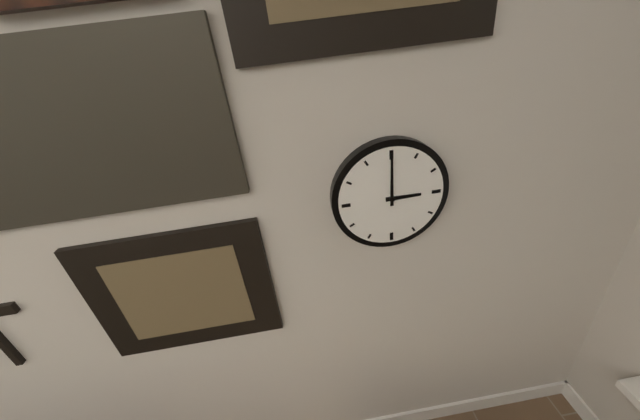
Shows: **3:00**
